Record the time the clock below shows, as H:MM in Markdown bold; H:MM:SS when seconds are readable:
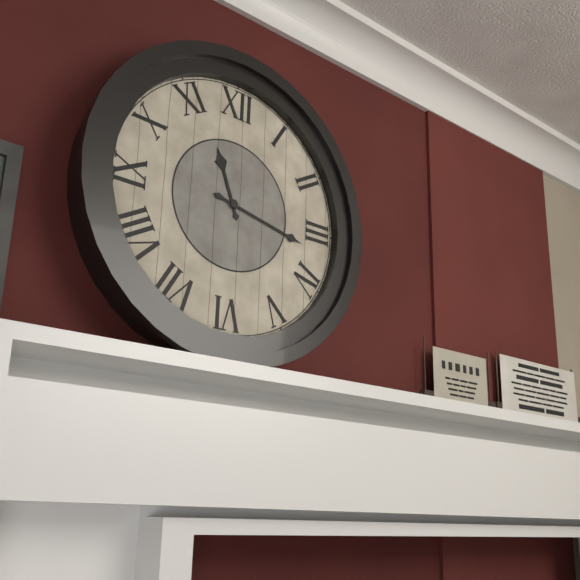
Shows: **11:17**
